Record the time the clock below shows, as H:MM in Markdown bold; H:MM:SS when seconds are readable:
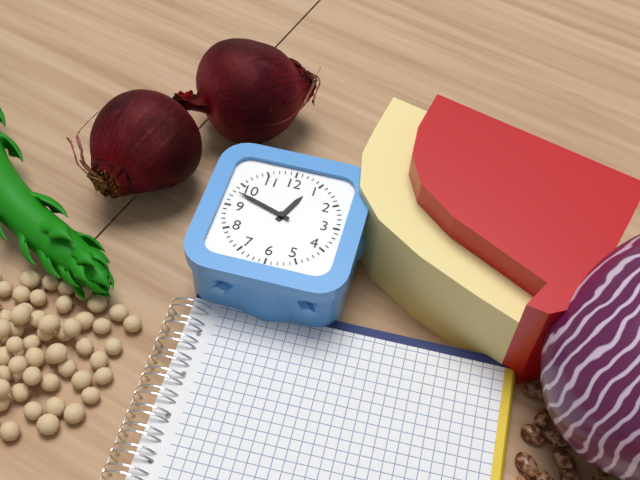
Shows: **12:48**
